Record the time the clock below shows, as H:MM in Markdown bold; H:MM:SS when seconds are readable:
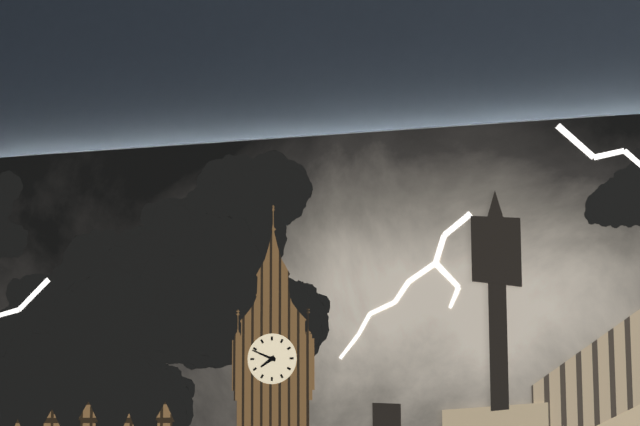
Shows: **7:49**
